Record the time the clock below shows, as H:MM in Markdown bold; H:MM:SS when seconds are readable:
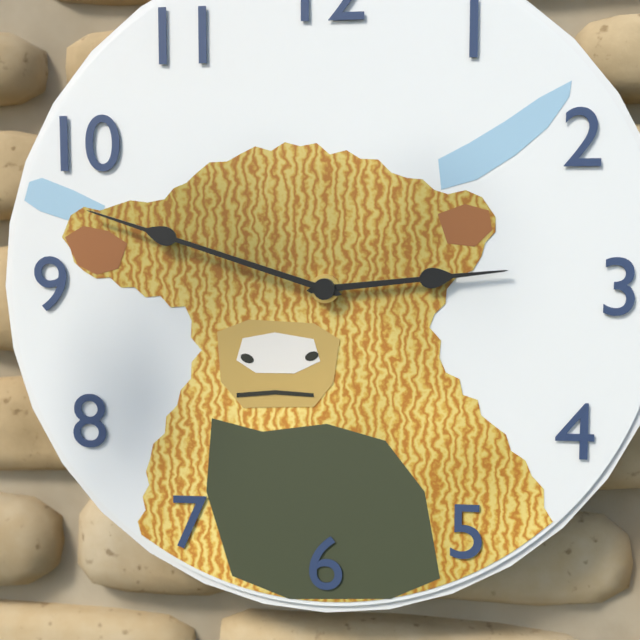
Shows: **2:48**
